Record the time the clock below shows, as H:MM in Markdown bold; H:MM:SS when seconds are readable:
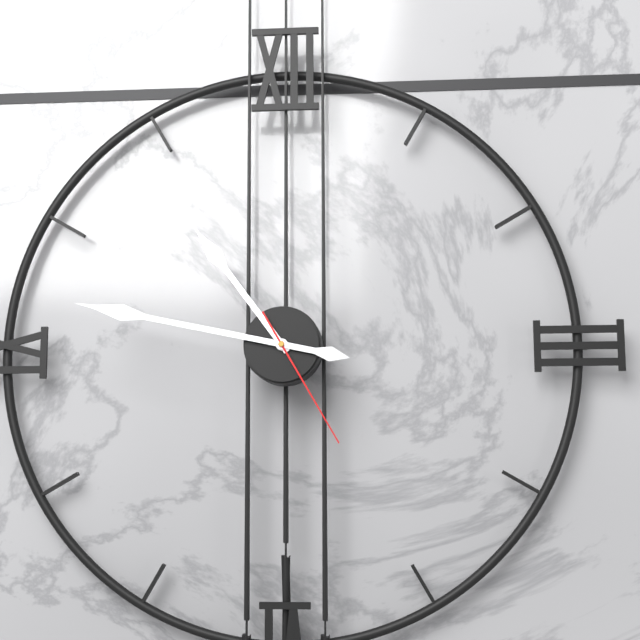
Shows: **10:47:25**
